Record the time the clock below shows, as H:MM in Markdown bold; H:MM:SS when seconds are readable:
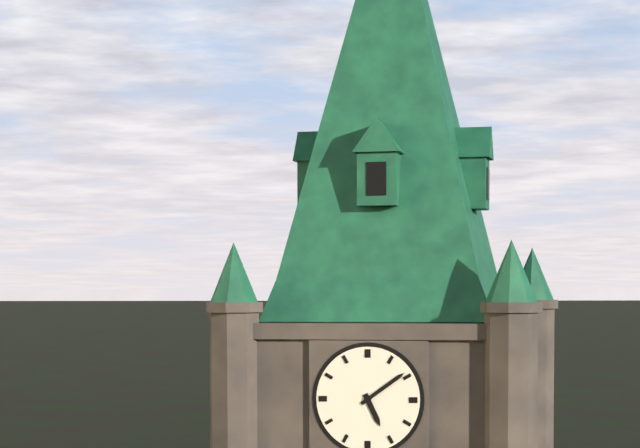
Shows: **5:09**
